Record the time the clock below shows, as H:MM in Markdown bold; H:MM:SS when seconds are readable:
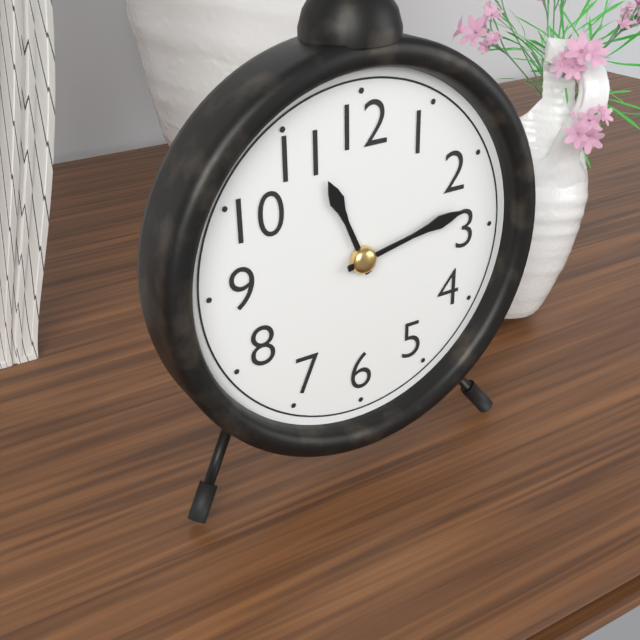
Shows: **11:13**
